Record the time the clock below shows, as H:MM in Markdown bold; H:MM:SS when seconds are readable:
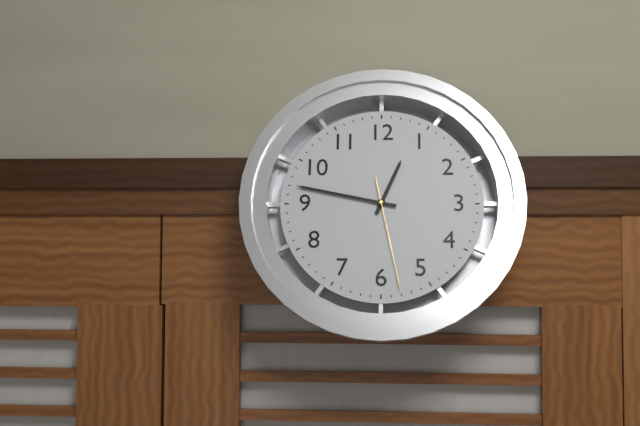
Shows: **12:47:28**
